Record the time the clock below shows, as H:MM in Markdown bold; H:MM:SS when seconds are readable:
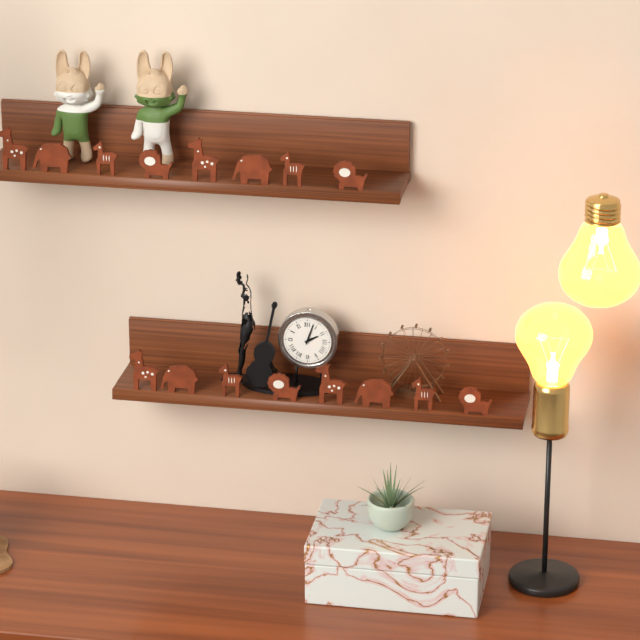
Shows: **2:03**
